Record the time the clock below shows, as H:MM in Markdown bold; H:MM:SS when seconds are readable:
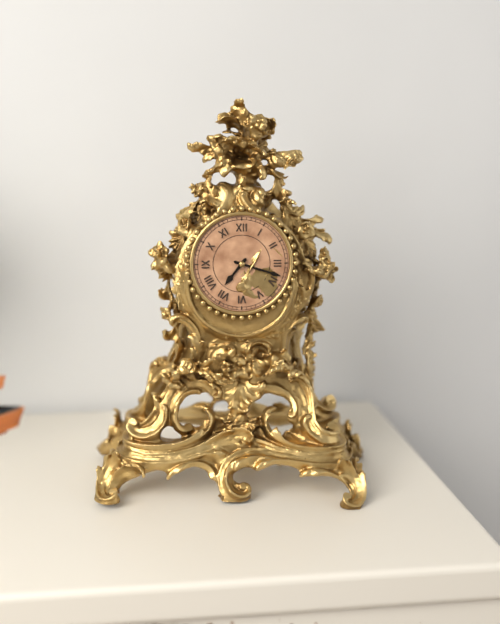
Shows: **7:18**
